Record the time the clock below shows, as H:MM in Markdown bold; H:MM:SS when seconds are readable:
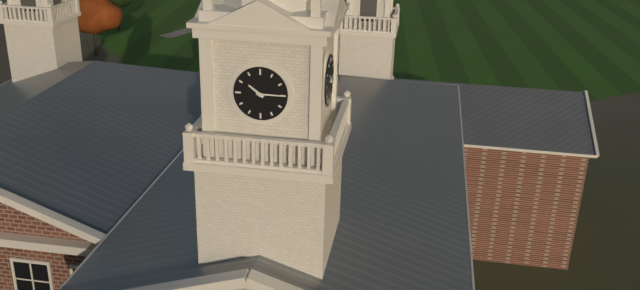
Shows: **10:15**
